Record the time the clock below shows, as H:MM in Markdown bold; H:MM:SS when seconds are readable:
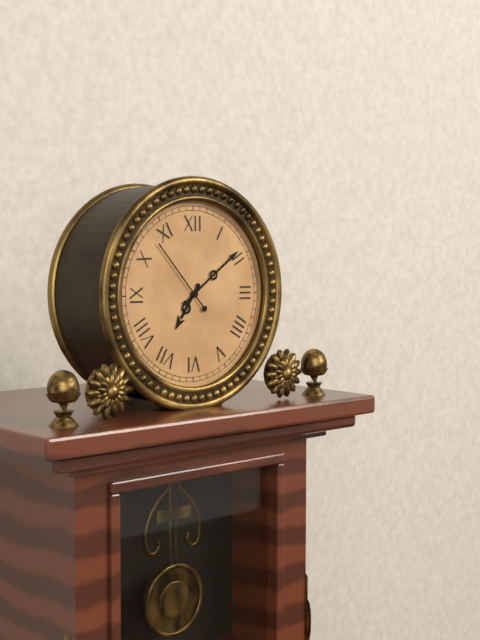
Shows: **7:09:53**
